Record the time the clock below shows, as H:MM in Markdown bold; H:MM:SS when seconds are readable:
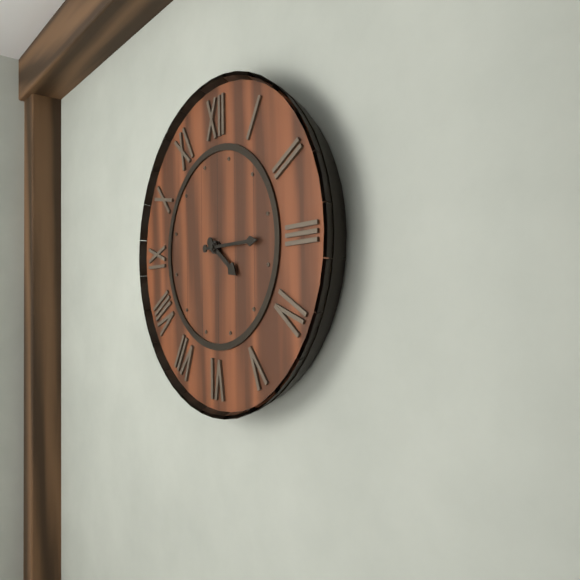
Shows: **4:15**
